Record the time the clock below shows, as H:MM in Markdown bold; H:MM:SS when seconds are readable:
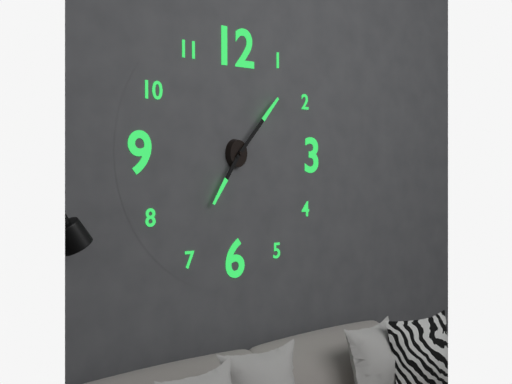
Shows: **7:07**
